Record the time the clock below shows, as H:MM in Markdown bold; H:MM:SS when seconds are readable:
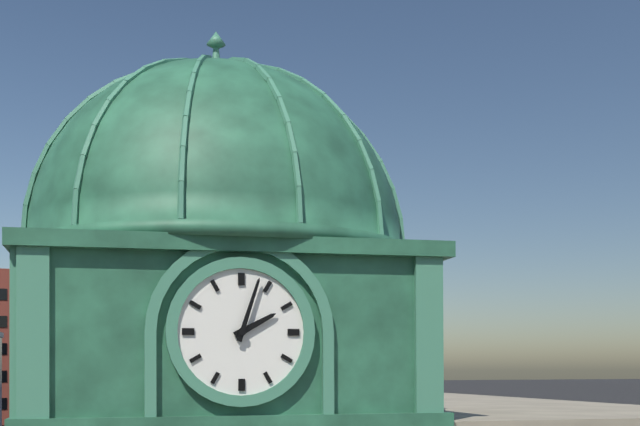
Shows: **2:03**
